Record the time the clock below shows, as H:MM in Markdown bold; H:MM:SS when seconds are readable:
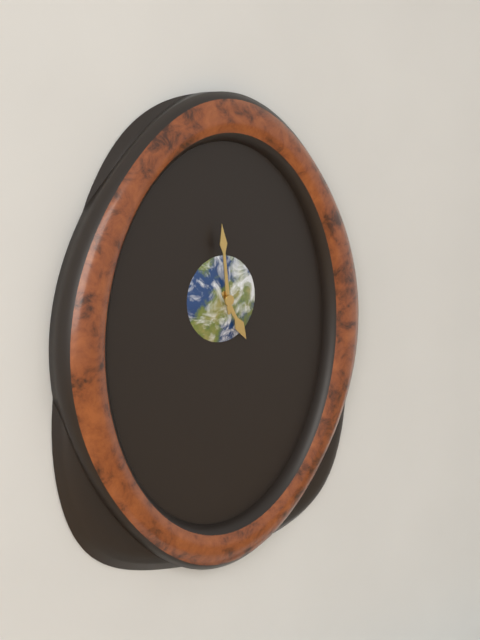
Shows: **4:59**
